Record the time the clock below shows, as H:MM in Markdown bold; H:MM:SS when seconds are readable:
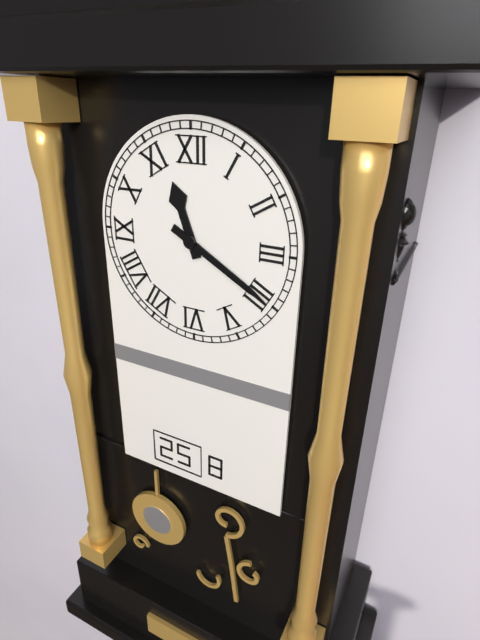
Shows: **11:20**
